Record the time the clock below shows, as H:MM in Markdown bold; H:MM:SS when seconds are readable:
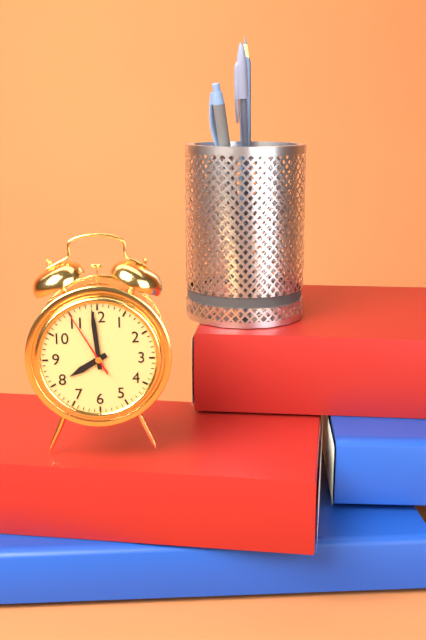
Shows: **7:59:55**
